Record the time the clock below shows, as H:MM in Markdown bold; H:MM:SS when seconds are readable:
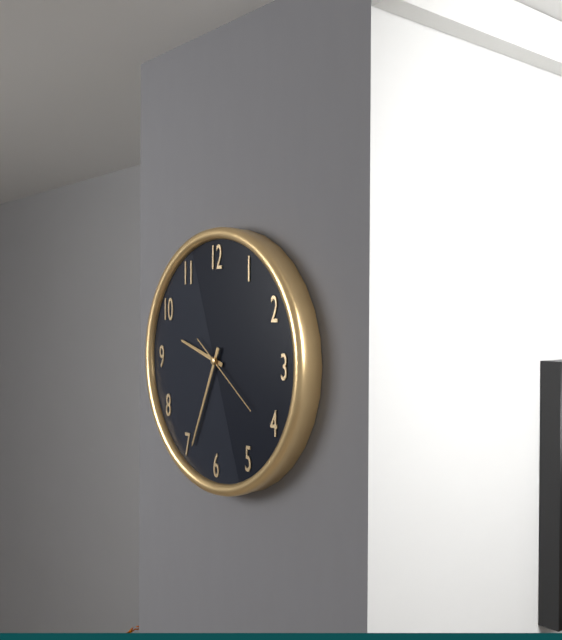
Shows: **9:34:21**
